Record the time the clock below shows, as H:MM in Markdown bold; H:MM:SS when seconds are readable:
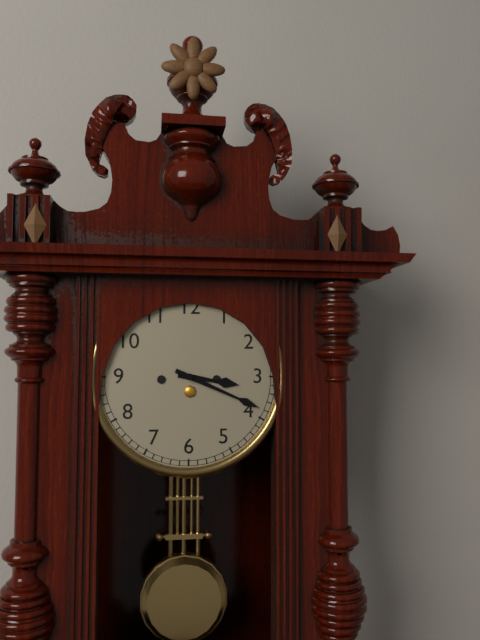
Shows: **3:19**
